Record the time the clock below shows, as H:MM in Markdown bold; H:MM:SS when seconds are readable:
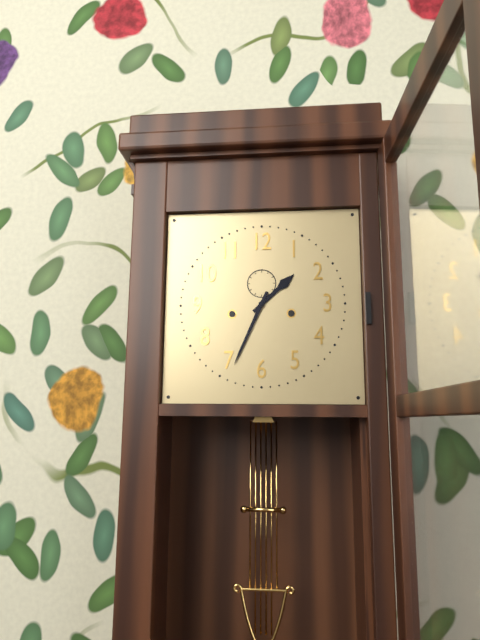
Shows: **1:34**
